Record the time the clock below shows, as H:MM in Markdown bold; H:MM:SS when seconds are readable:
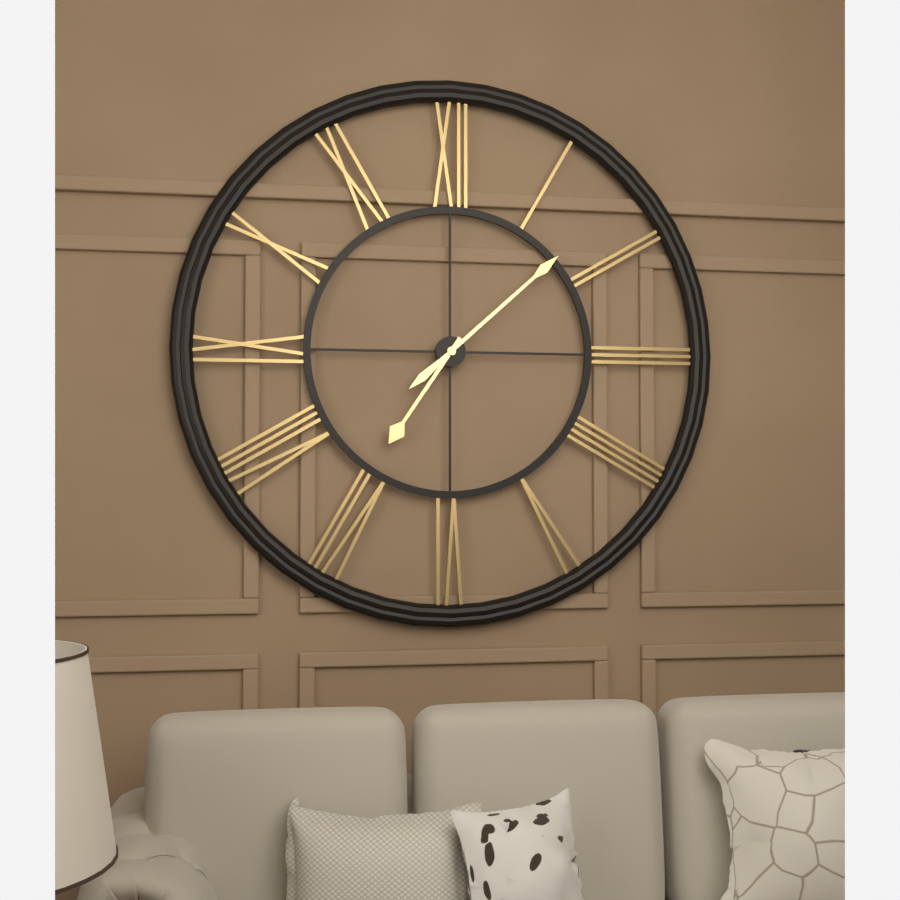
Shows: **7:08**
